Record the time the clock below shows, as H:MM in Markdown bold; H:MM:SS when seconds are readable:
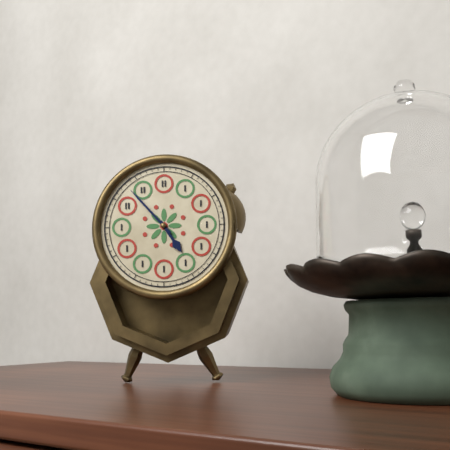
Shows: **4:53**
